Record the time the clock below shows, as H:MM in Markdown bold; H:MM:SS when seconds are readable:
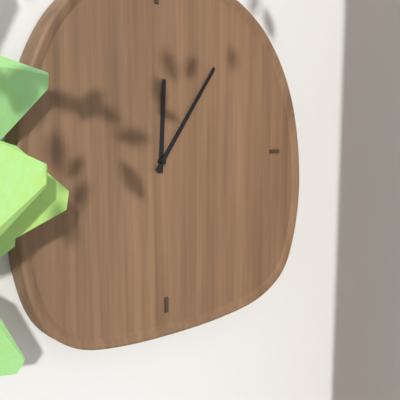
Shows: **12:06**
